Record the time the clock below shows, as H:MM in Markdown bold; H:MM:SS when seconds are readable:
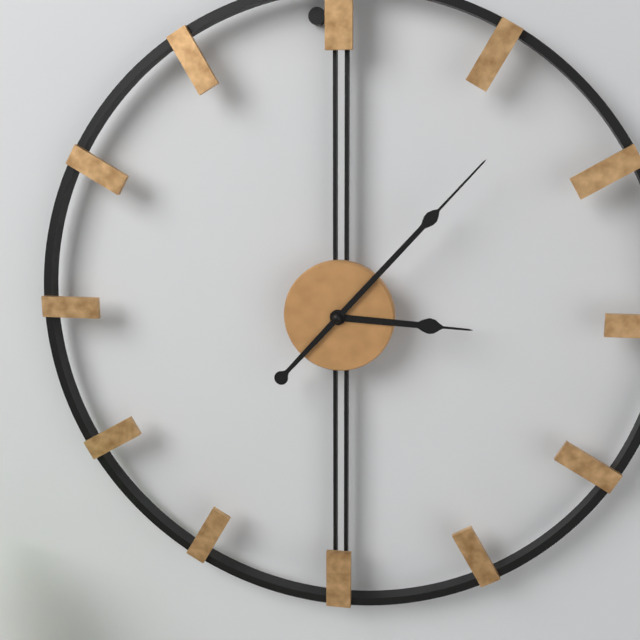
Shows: **3:07**
